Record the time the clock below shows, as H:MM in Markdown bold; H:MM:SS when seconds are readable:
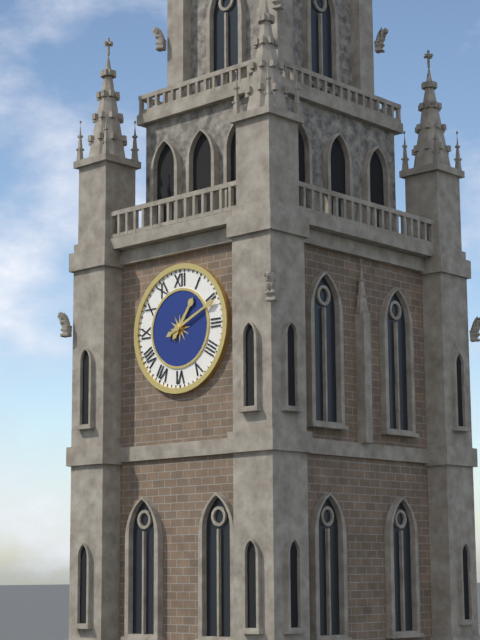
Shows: **1:11**
